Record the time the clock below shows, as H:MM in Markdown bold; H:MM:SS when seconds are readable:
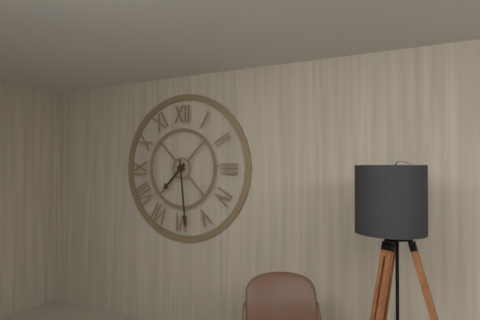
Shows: **7:29**
